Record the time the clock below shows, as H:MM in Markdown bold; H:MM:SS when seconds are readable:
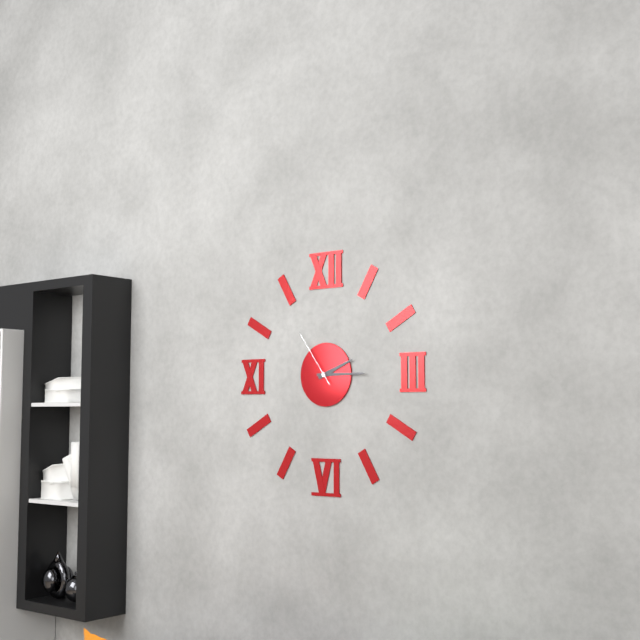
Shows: **2:15:54**
